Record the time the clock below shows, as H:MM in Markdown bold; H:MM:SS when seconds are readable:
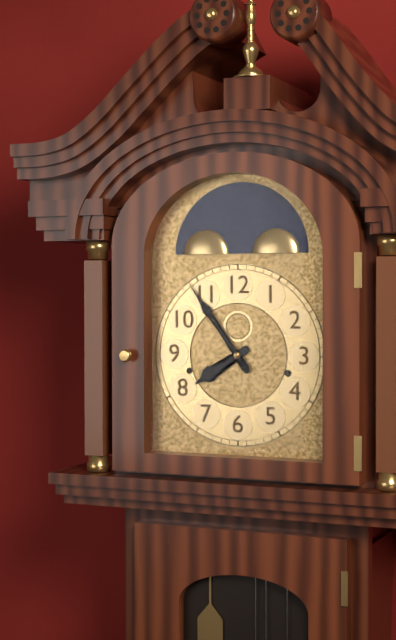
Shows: **7:54**
